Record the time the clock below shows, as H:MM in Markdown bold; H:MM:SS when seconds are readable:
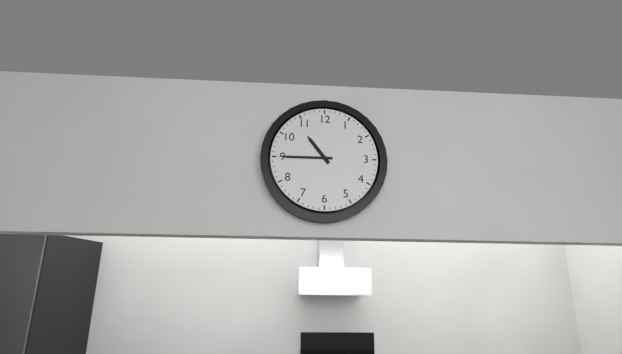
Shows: **10:45**
